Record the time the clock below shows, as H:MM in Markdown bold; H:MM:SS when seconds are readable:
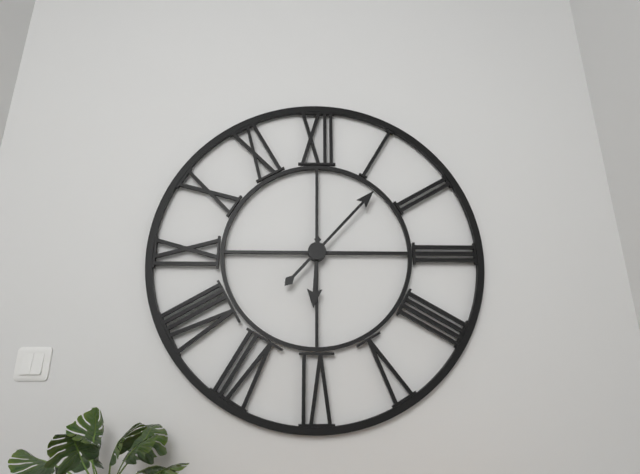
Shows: **6:07**
